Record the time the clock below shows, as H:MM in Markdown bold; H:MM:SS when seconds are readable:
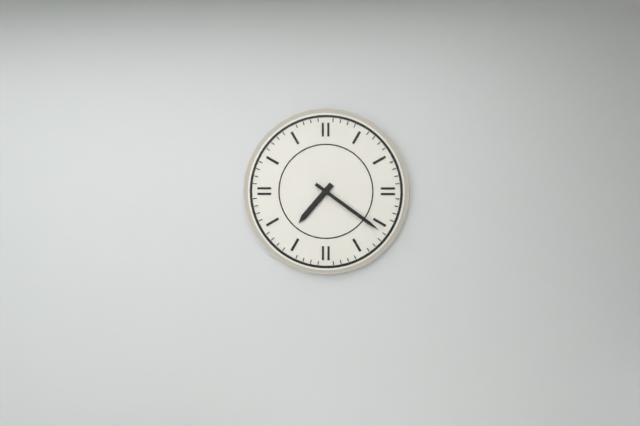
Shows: **7:21**
